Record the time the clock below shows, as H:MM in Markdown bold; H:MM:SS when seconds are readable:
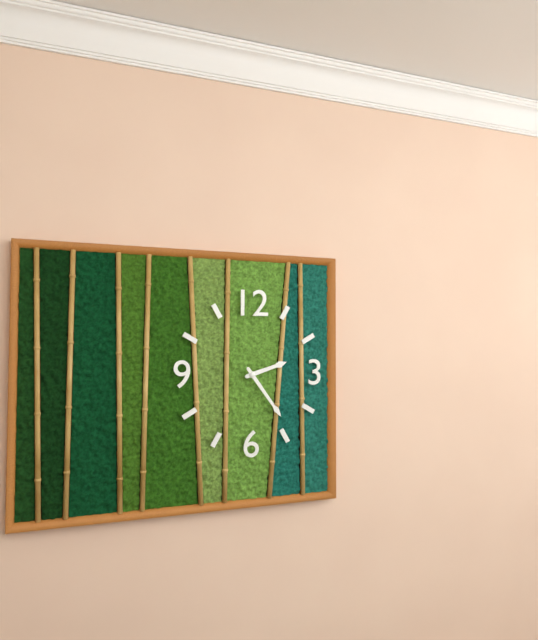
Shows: **2:24**
